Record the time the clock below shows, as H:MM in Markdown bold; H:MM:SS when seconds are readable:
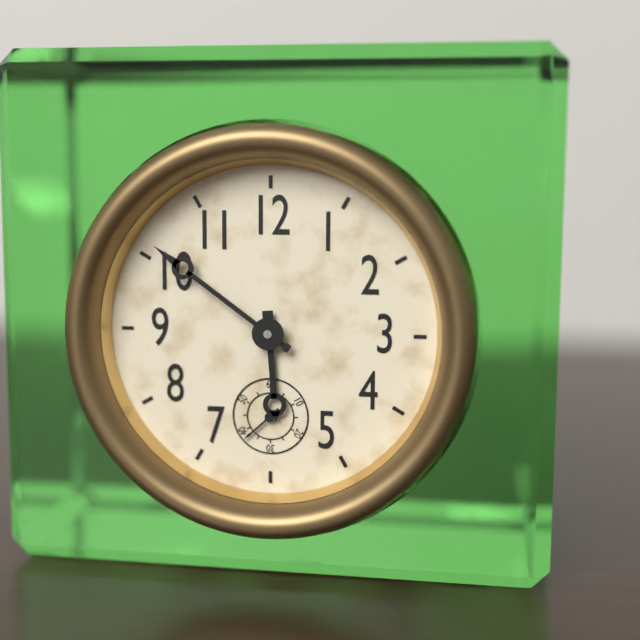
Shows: **5:51**
